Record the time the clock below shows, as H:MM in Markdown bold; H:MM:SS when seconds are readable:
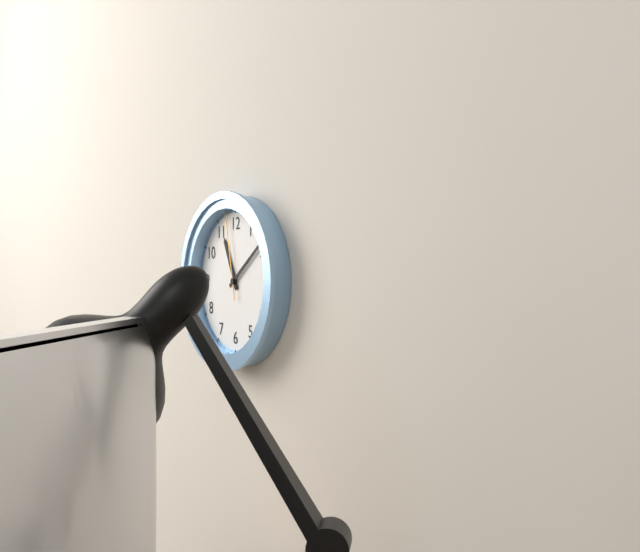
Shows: **11:09:58**
